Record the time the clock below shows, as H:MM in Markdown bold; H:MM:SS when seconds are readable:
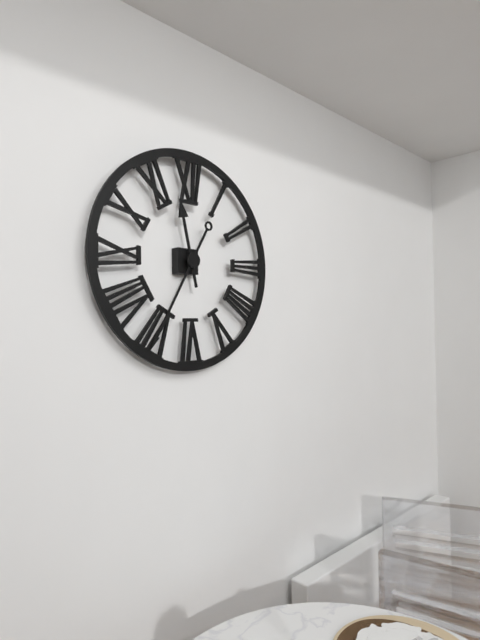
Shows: **11:35**
